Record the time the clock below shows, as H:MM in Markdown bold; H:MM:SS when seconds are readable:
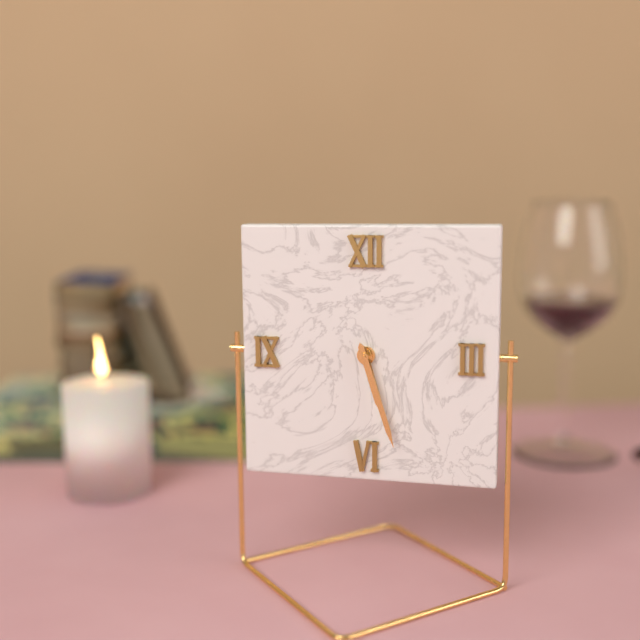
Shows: **5:27**
